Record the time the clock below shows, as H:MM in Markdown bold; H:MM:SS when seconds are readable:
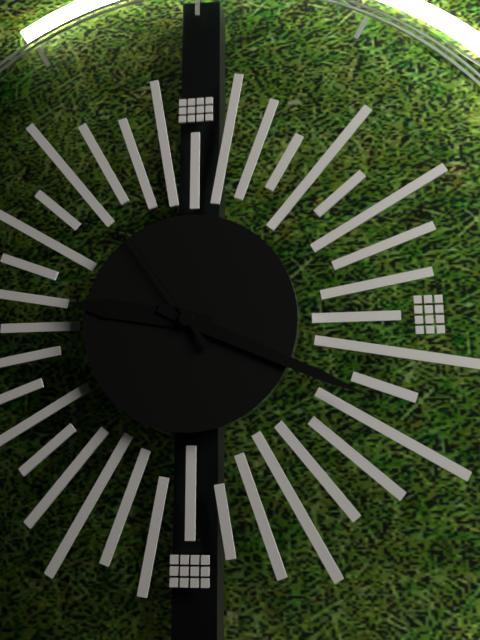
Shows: **9:19:54**
